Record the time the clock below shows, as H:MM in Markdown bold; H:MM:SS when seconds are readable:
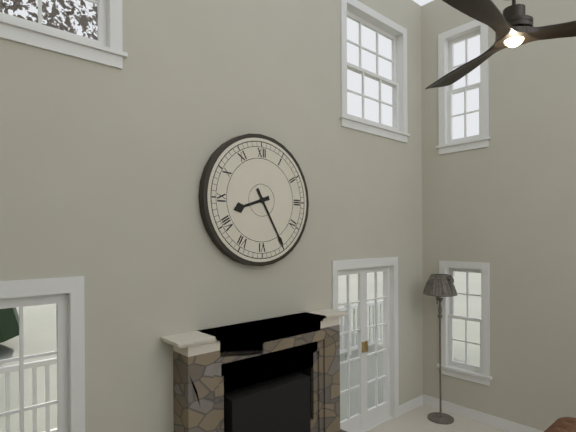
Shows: **8:25**
